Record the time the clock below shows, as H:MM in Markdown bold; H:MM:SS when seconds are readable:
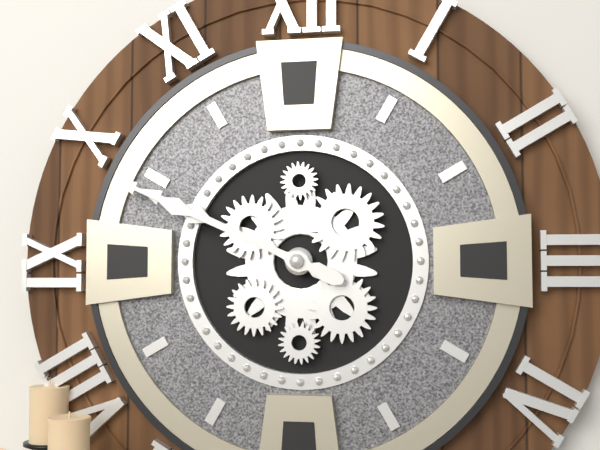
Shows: **9:49**
